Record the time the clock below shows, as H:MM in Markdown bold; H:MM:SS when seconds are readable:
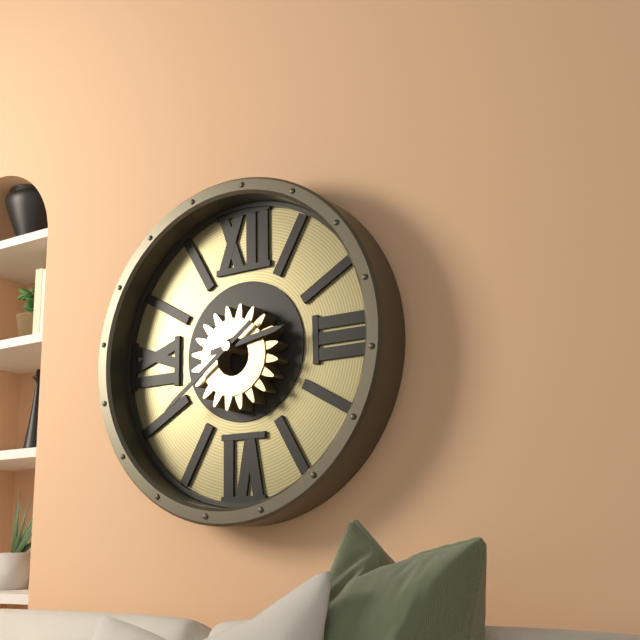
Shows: **2:39**
